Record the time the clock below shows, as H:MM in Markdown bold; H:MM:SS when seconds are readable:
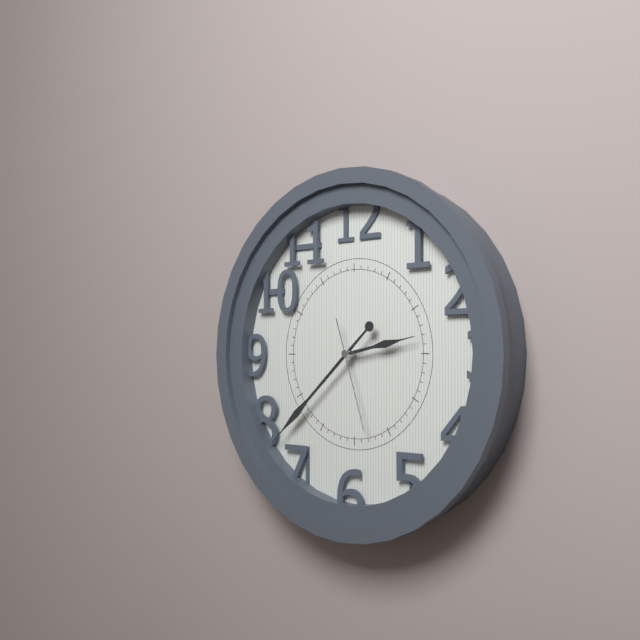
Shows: **2:38:27**
